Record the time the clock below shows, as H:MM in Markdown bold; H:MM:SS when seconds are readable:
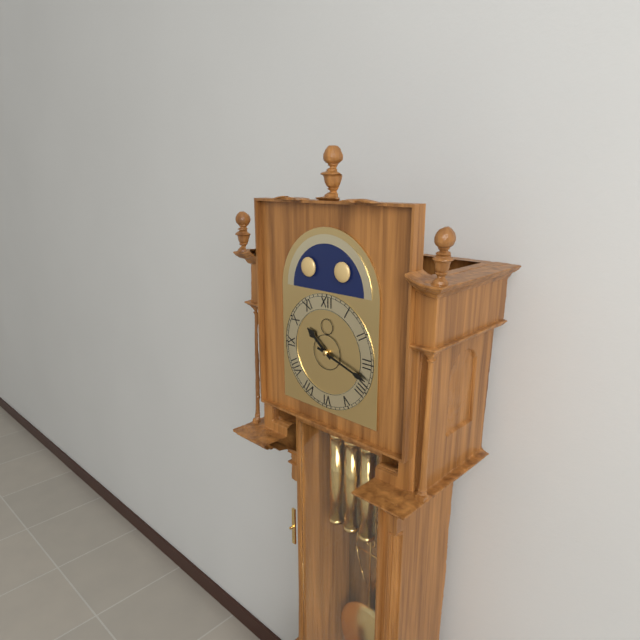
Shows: **10:18**
